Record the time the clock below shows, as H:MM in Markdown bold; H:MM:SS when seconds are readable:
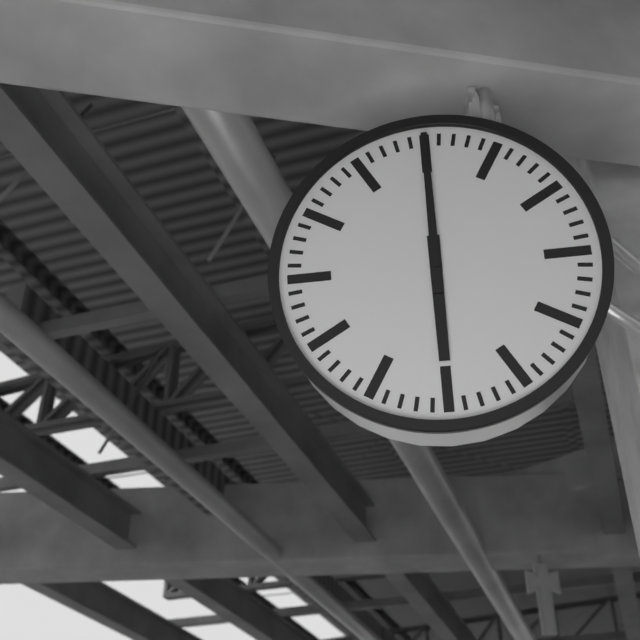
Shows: **6:00**
